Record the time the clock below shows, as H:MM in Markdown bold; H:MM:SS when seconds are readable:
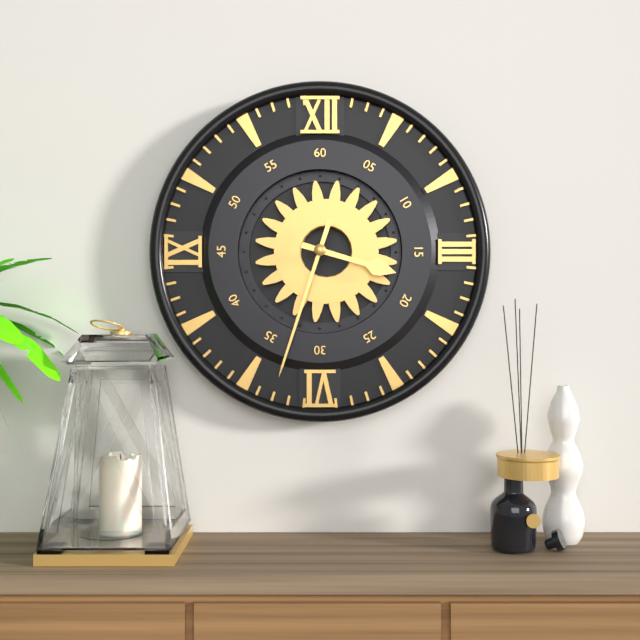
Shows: **3:33**
